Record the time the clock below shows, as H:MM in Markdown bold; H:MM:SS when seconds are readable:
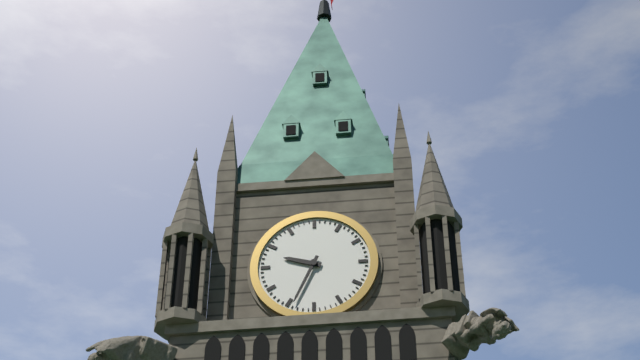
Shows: **9:34**
